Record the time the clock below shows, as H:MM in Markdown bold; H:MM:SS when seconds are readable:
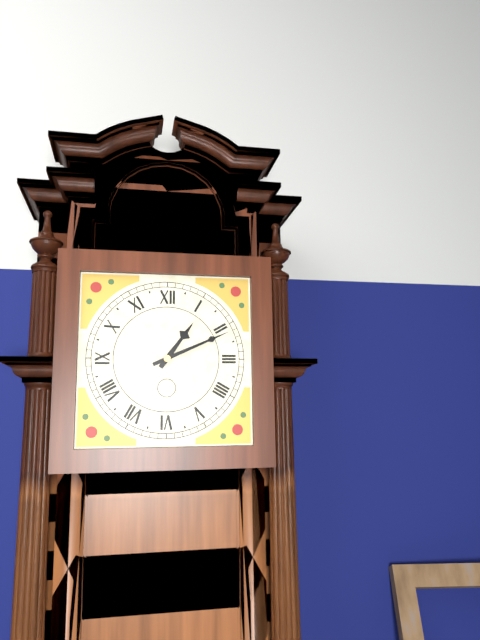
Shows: **1:11**
